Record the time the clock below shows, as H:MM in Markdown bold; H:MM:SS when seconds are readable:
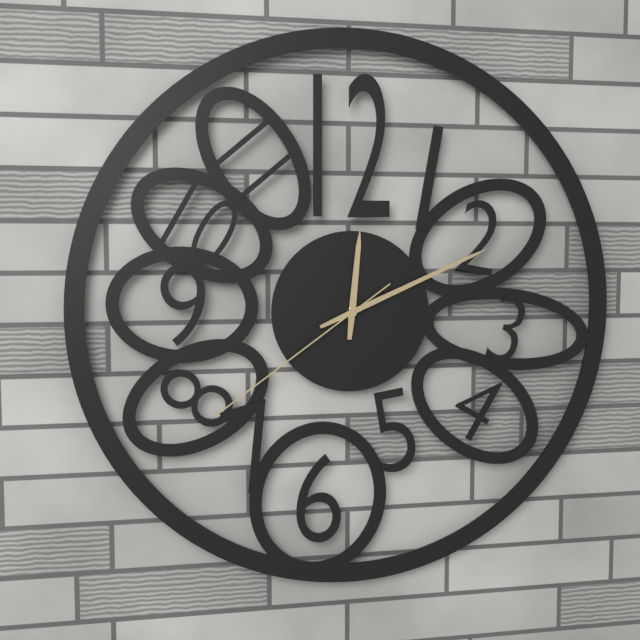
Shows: **12:11:39**
